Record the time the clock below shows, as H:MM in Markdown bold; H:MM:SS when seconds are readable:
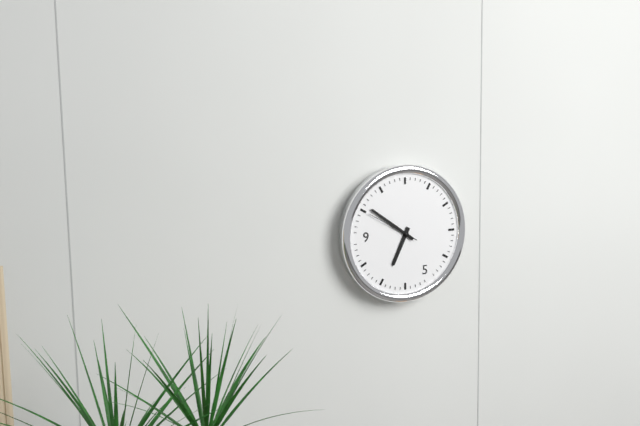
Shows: **6:51:50**
